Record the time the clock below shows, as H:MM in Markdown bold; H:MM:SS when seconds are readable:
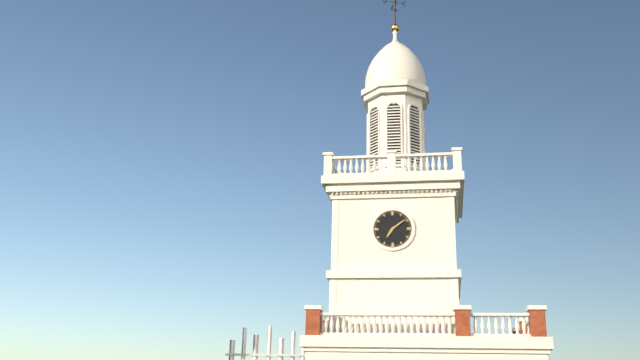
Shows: **7:09**
